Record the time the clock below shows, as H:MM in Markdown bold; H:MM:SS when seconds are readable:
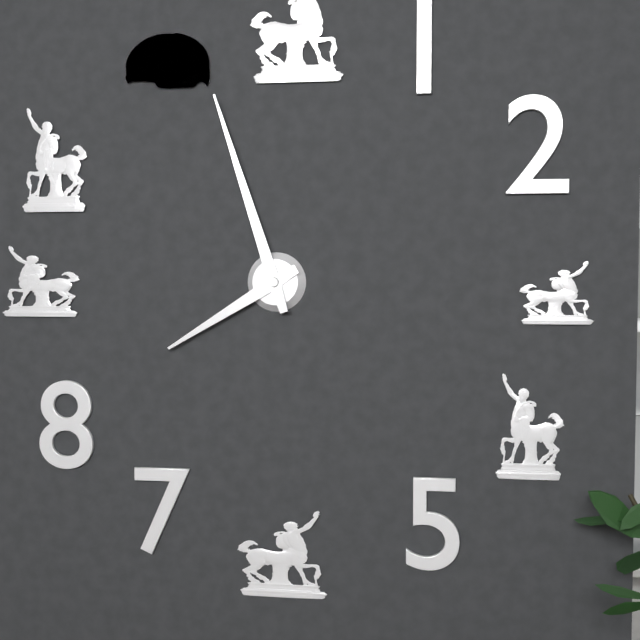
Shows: **7:57**
